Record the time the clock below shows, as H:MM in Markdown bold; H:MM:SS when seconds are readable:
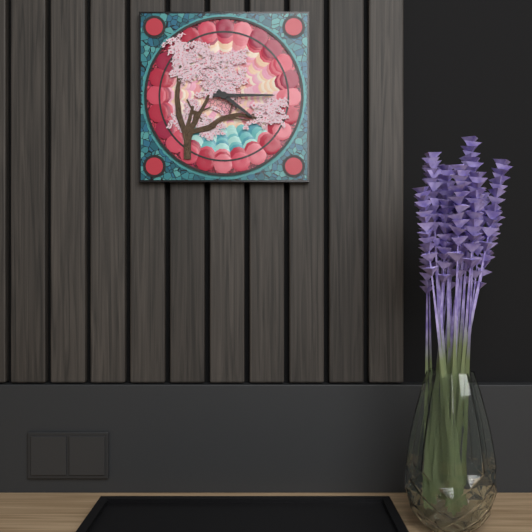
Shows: **4:15**
